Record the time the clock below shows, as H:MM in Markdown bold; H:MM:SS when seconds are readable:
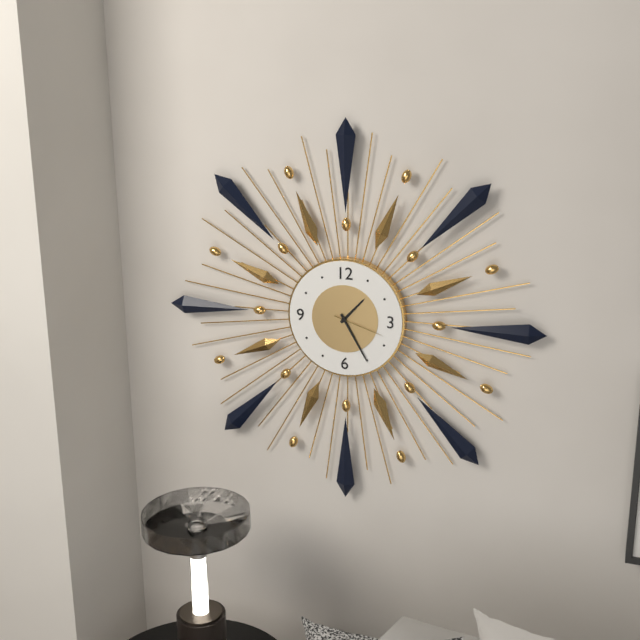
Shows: **1:25:18**
